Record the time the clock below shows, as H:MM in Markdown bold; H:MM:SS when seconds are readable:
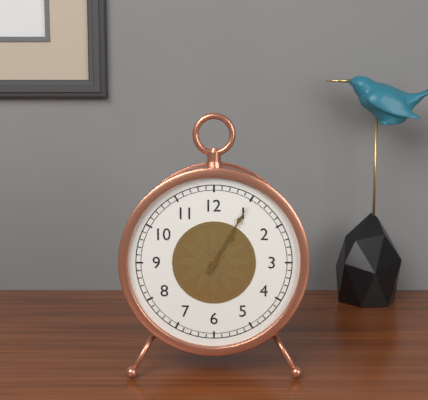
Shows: **1:05**
